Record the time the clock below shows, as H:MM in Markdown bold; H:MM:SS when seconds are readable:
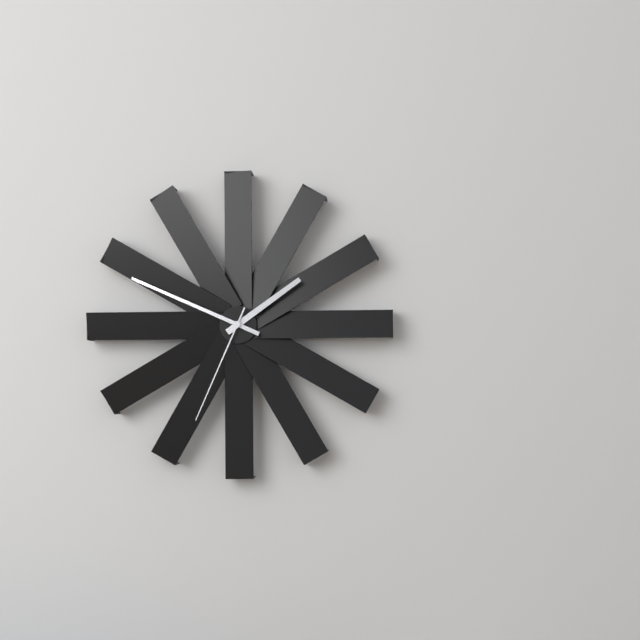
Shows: **1:49:34**
